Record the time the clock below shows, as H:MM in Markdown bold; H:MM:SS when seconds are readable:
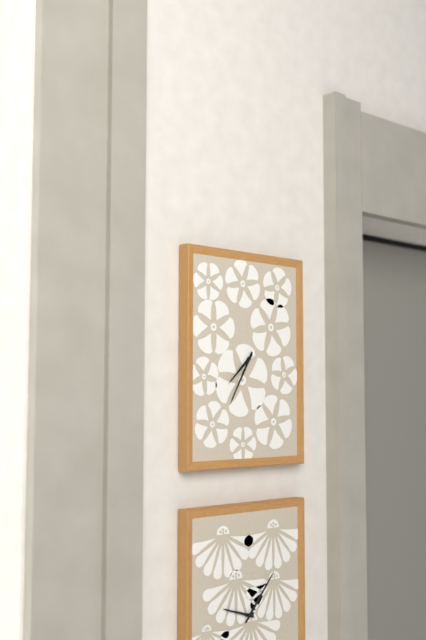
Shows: **7:35**
